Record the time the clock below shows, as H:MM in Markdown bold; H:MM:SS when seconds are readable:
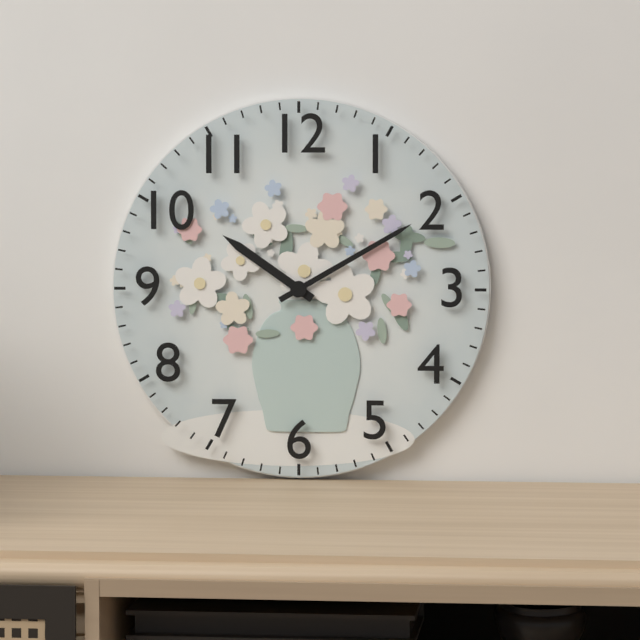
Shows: **10:10**
